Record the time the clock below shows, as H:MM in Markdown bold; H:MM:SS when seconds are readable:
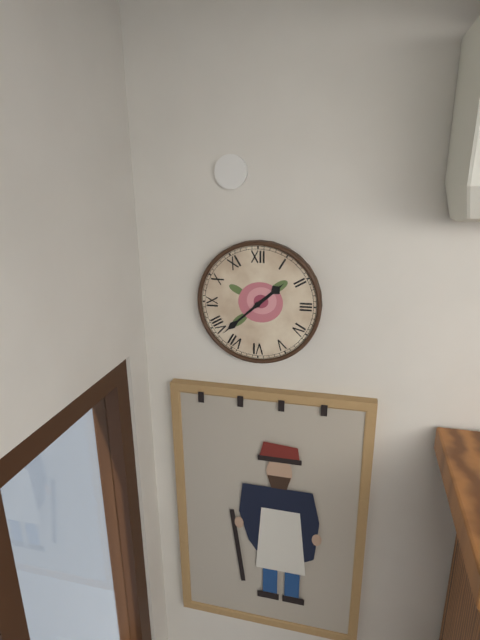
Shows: **1:38**
